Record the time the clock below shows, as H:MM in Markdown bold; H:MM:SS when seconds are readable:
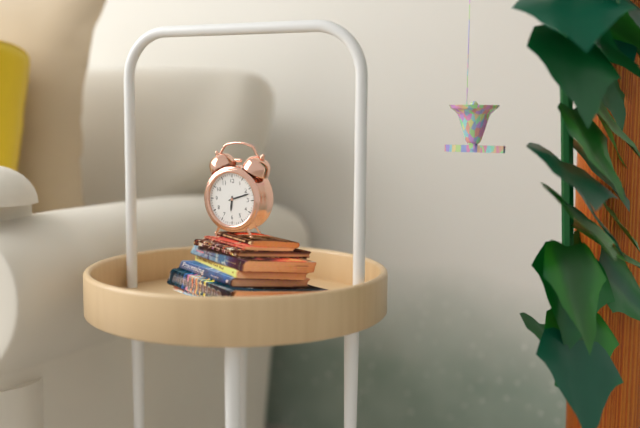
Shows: **6:12**
